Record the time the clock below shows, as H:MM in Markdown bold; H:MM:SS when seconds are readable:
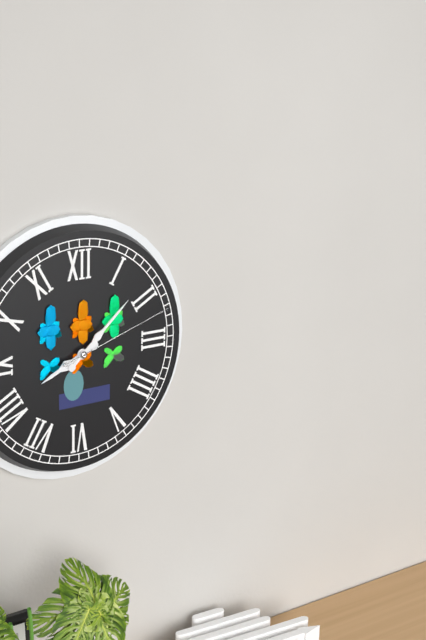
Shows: **8:08:12**
